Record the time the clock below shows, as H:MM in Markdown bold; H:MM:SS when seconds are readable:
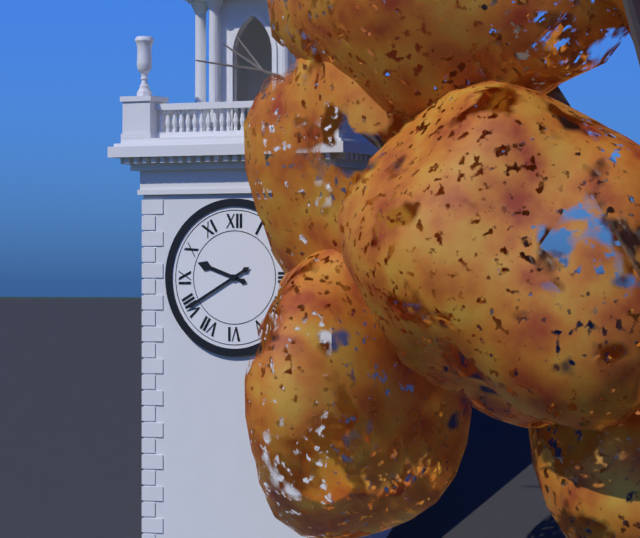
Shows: **9:40**
